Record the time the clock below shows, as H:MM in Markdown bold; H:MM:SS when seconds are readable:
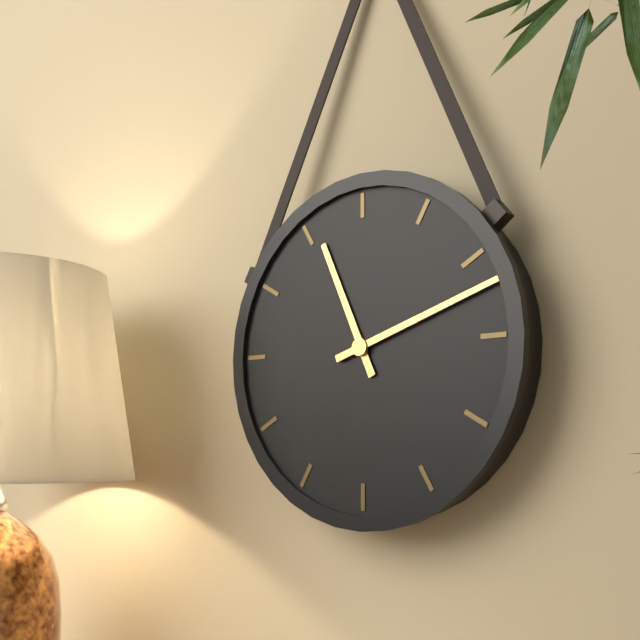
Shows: **11:12**
